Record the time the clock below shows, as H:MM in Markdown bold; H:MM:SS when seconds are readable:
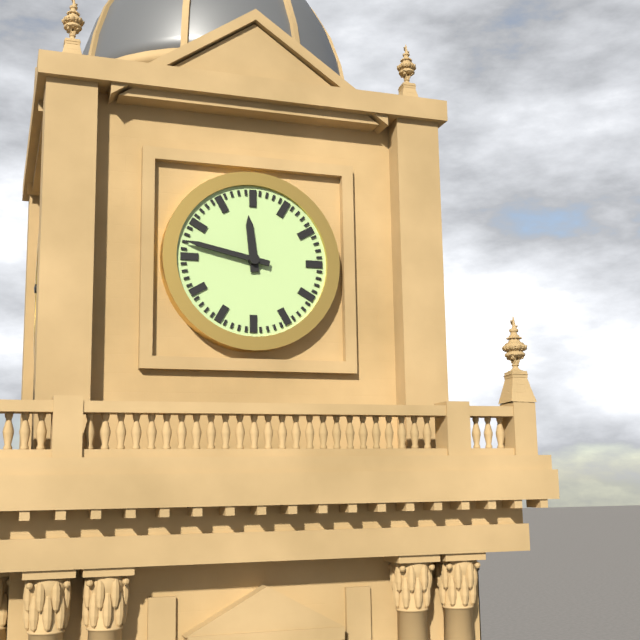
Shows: **11:47**
